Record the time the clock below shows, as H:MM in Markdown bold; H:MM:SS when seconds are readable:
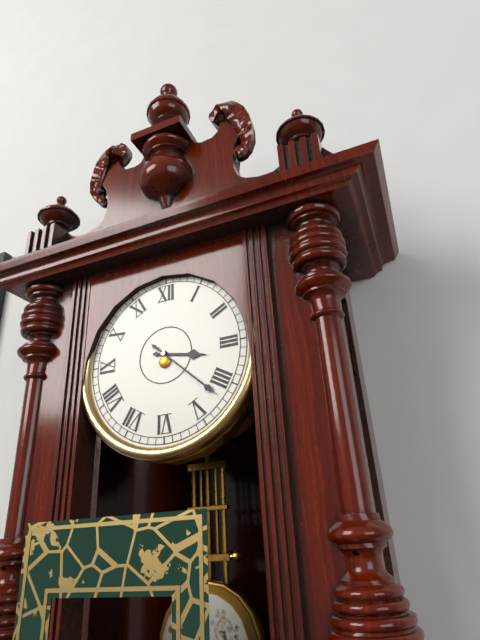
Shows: **3:22**
